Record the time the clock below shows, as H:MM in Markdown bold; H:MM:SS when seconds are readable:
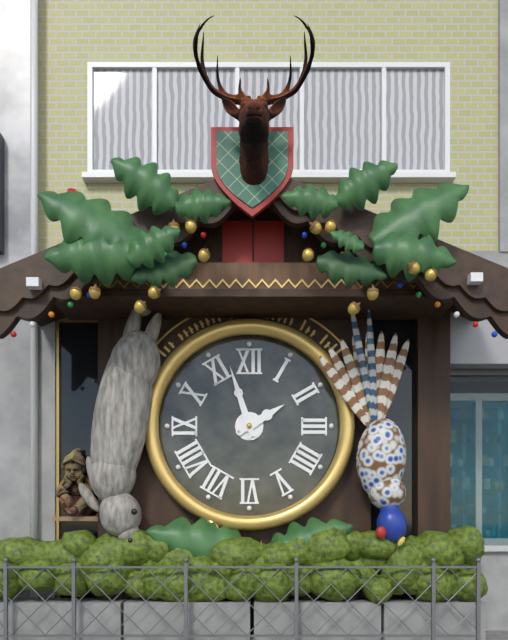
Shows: **1:57**
